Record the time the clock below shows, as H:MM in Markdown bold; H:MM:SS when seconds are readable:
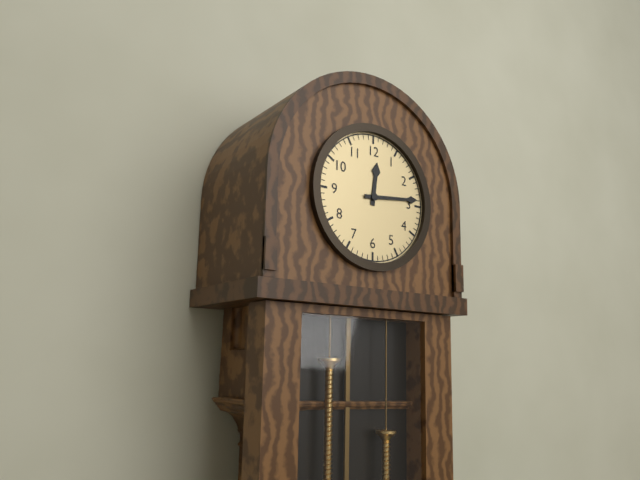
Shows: **12:14**
